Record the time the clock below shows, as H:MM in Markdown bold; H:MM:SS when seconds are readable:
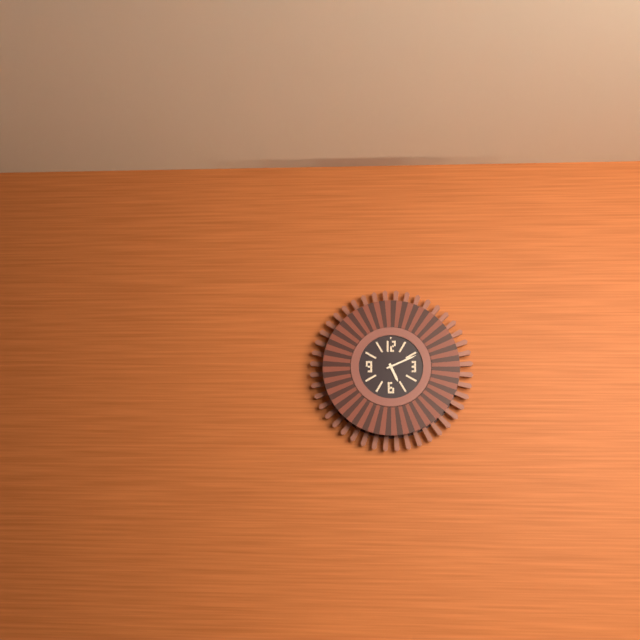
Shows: **5:11**
